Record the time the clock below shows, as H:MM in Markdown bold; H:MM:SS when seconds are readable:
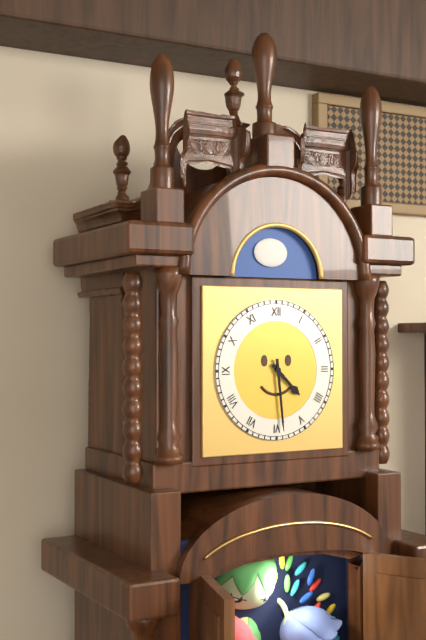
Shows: **4:29**
